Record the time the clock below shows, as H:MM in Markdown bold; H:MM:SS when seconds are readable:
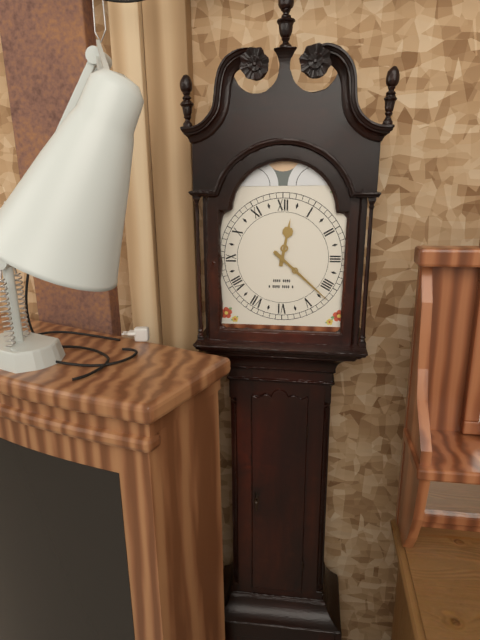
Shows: **12:22**
